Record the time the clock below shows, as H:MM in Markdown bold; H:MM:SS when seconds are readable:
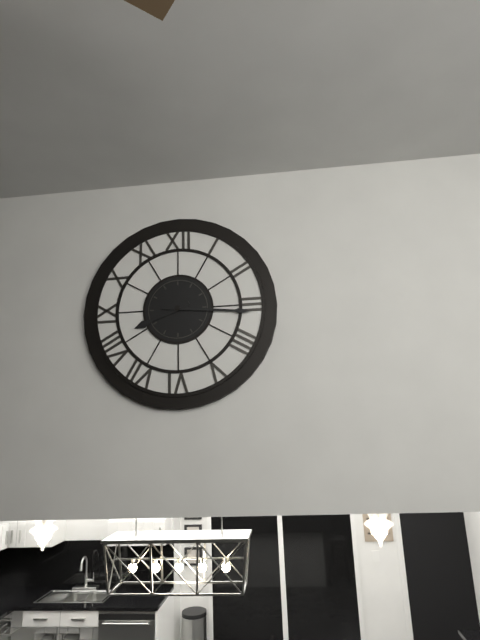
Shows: **8:16**
